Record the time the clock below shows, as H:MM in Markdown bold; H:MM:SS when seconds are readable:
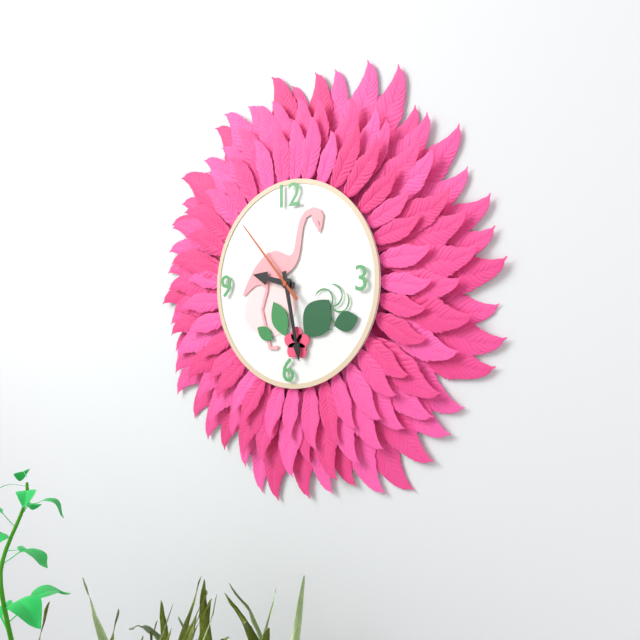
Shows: **9:28:53**
